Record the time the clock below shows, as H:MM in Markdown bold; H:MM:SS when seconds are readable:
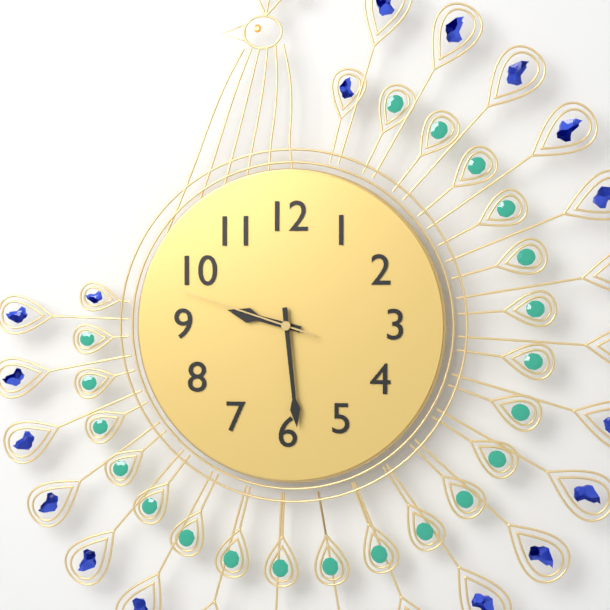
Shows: **9:29:48**
